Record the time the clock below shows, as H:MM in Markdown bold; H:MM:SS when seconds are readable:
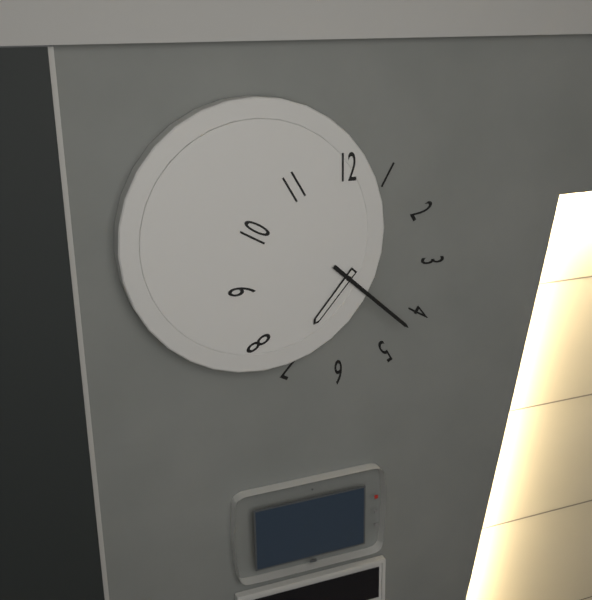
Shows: **7:22**
